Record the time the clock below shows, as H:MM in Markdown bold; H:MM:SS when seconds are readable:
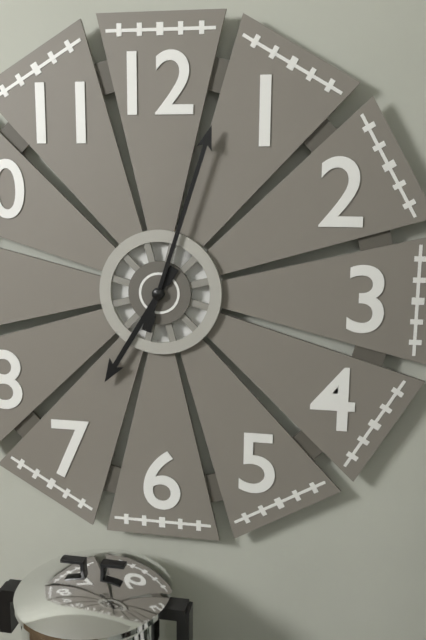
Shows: **7:03**
